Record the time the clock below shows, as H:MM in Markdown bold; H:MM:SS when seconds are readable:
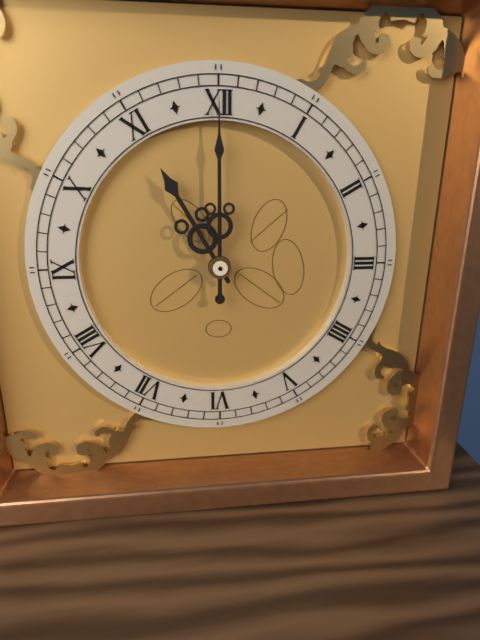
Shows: **11:00**
